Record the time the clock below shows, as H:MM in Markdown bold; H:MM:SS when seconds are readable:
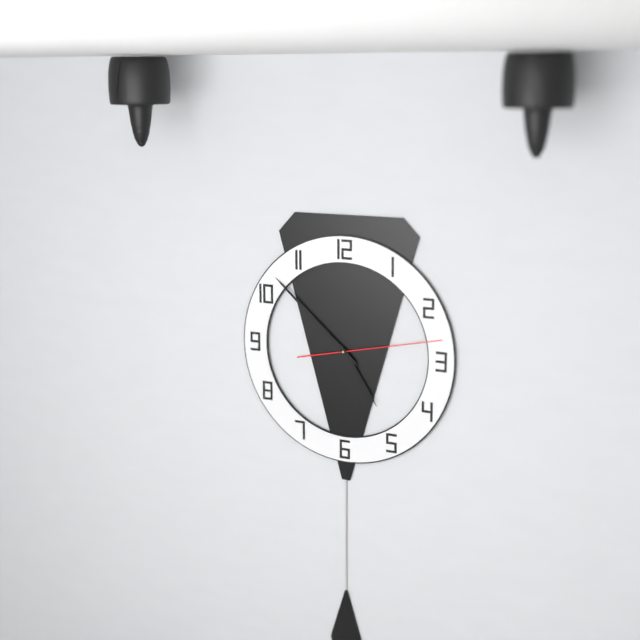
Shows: **4:52:13**
